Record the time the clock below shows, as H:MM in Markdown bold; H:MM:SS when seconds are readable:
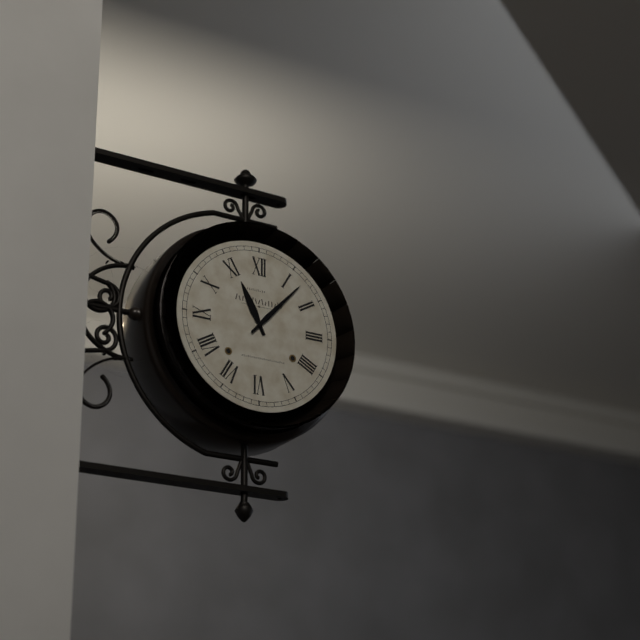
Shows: **11:07**
